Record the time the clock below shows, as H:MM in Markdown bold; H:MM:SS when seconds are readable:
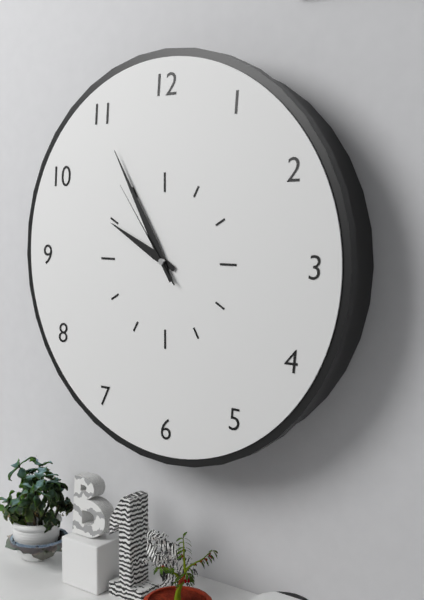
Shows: **9:55:54**
